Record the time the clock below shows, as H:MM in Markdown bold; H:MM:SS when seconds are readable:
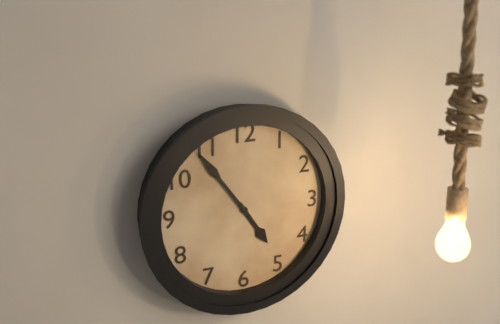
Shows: **4:54**
